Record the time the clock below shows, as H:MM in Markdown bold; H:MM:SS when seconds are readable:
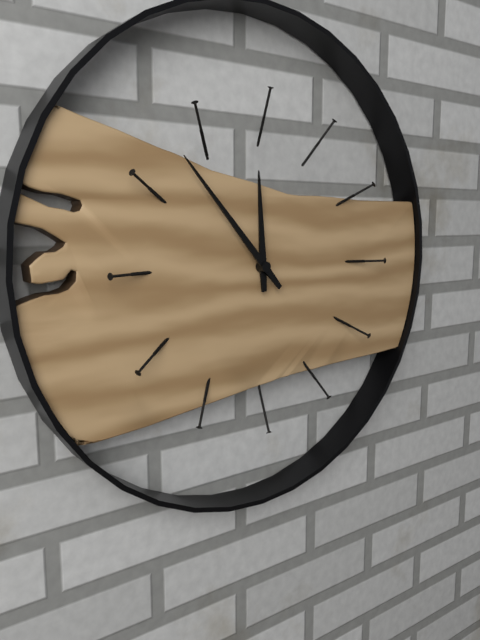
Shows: **11:53**
